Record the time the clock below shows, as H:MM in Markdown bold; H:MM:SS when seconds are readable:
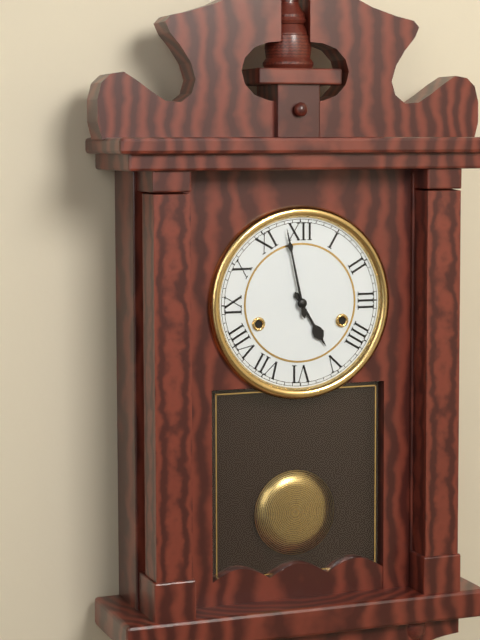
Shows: **4:58**
